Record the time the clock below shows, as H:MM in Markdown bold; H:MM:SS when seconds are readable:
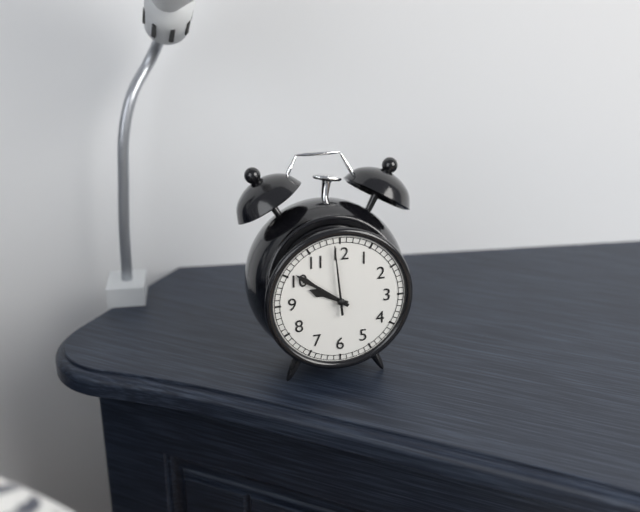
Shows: **9:51:59**
